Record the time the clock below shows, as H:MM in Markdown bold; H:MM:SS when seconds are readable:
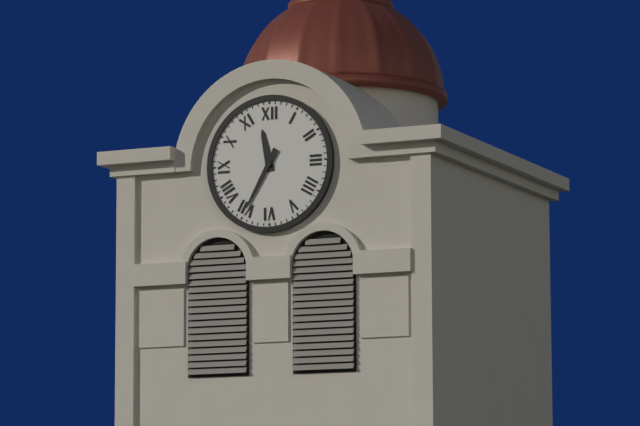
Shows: **11:35**
